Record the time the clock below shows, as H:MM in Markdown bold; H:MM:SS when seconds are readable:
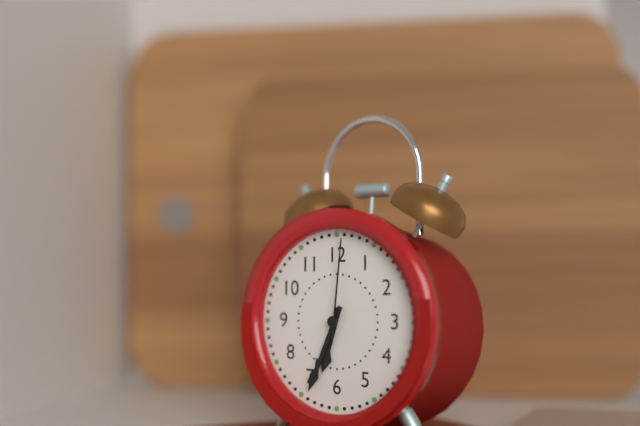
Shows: **6:34:01**
